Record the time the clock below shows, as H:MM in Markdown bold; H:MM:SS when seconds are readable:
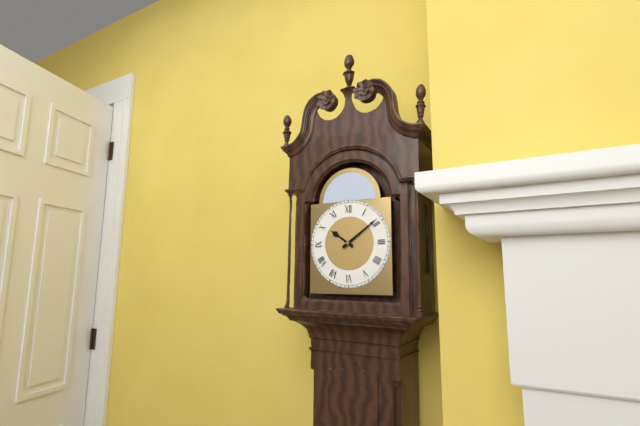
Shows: **10:09**
